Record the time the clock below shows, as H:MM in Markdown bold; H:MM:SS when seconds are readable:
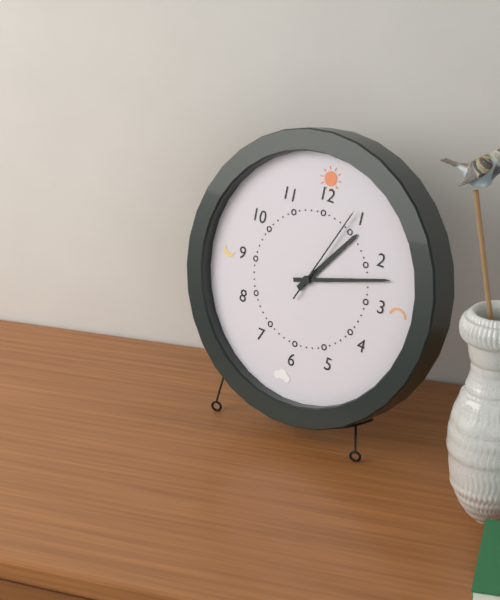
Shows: **1:12:04**
